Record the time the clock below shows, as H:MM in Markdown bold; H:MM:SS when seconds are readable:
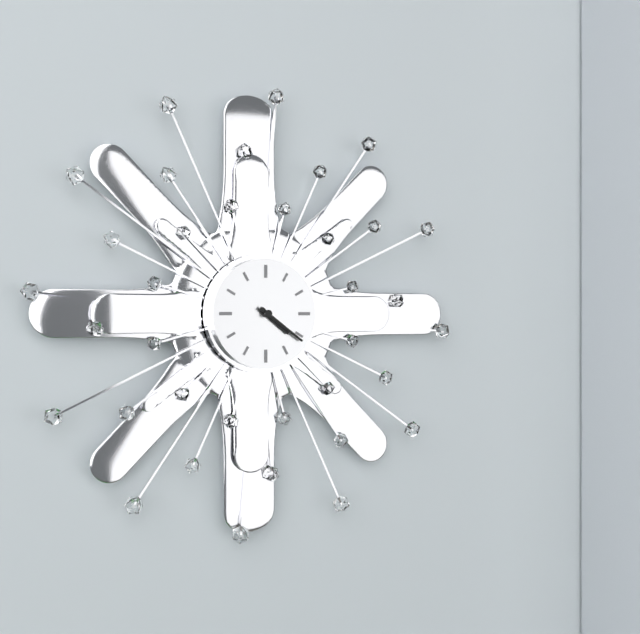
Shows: **4:21**
